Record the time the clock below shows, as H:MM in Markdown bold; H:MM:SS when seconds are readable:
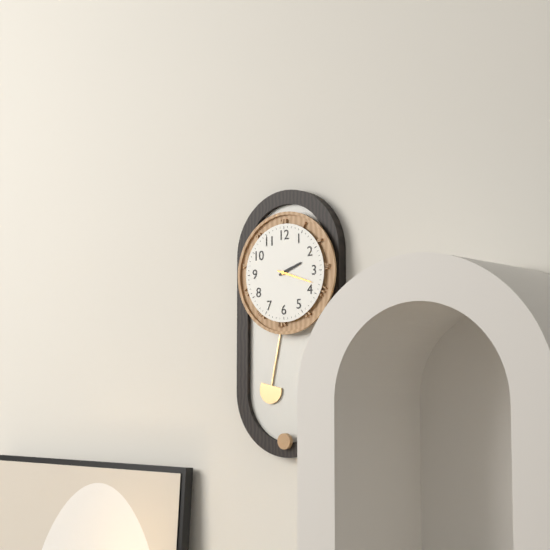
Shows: **2:18**
